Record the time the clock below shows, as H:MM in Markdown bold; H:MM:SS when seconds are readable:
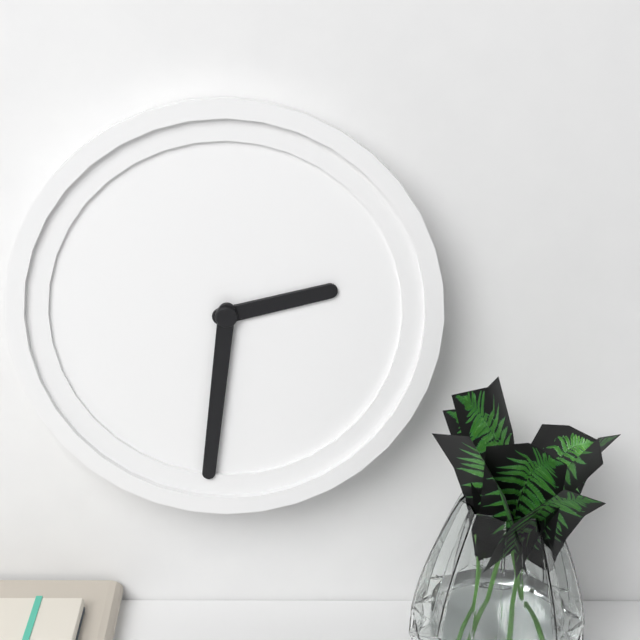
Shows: **2:31**
